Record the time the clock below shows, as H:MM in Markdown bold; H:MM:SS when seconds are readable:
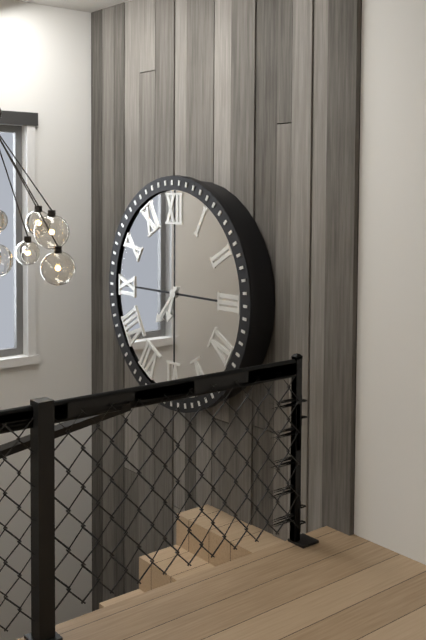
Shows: **6:37**
